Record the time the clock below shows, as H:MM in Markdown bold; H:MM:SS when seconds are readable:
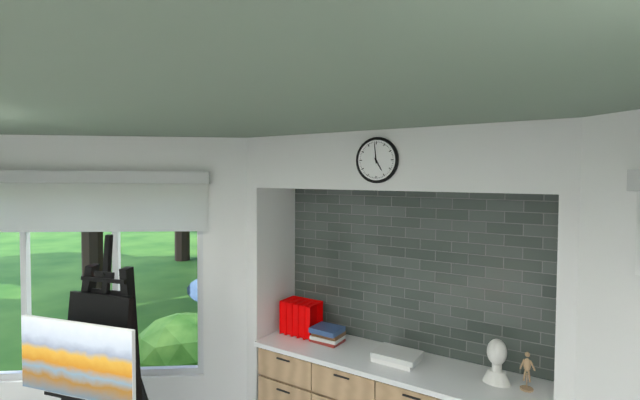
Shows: **4:59**
